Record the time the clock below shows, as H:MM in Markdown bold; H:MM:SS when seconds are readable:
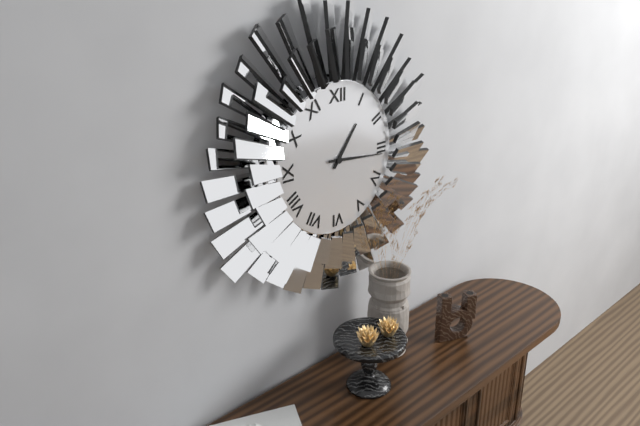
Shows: **1:16**
